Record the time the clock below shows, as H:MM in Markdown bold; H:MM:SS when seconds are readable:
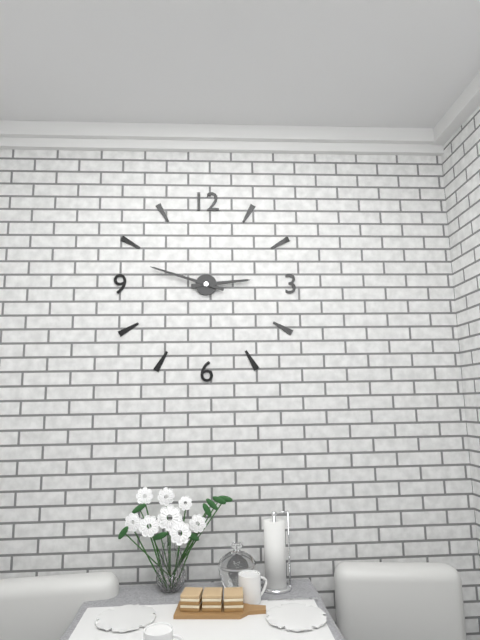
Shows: **2:48**
